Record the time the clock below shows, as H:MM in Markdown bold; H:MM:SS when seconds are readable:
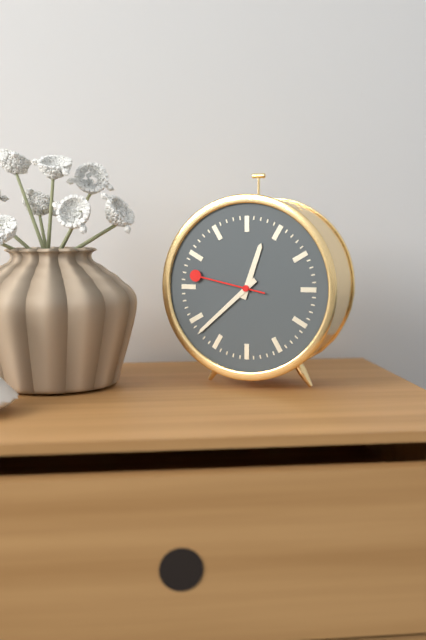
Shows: **12:38:47**
